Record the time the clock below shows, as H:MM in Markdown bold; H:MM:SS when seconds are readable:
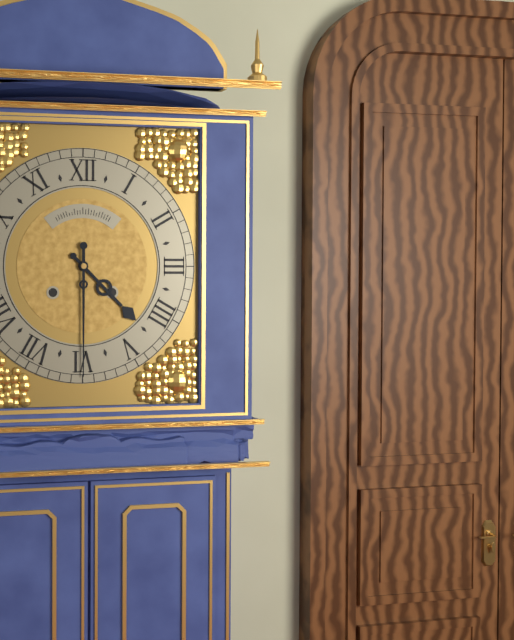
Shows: **4:30**
